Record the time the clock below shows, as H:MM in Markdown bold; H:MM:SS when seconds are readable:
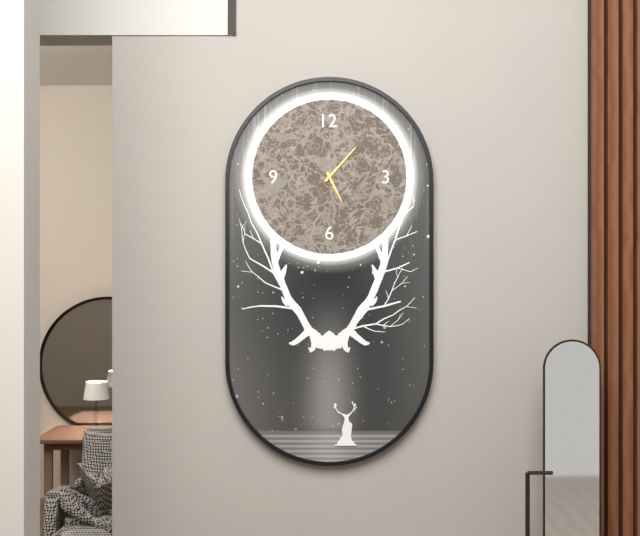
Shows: **5:07**
